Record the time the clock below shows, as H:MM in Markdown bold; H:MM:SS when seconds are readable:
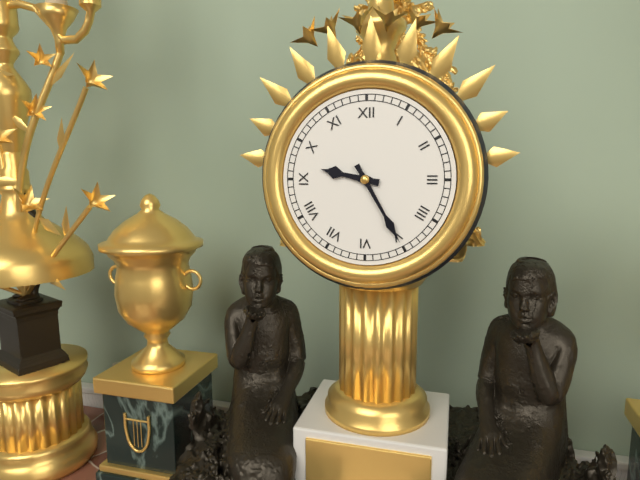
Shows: **9:25**
